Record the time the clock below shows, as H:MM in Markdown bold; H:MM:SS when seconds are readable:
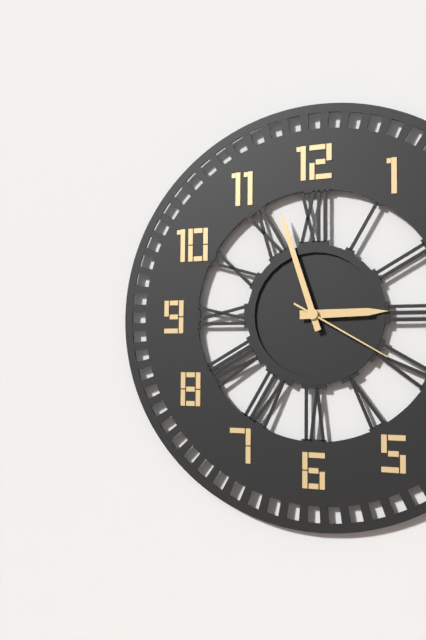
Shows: **2:57:20**
